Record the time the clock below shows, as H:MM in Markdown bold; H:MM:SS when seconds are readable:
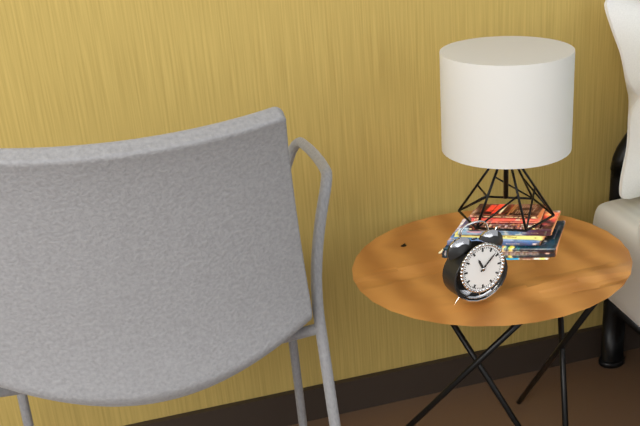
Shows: **11:08**
